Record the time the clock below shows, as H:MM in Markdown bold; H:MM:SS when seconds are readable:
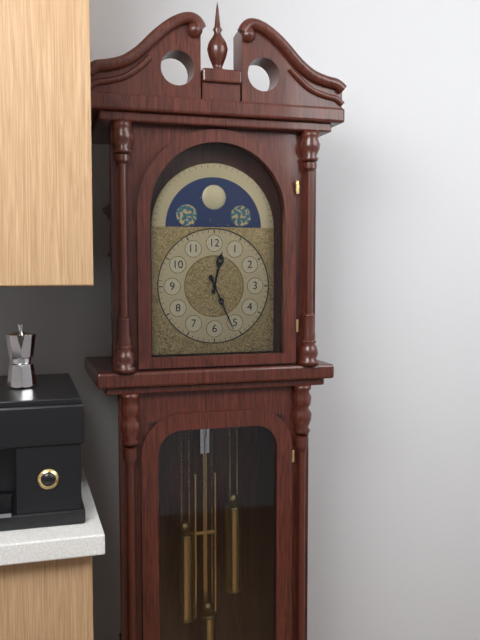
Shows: **12:26**
